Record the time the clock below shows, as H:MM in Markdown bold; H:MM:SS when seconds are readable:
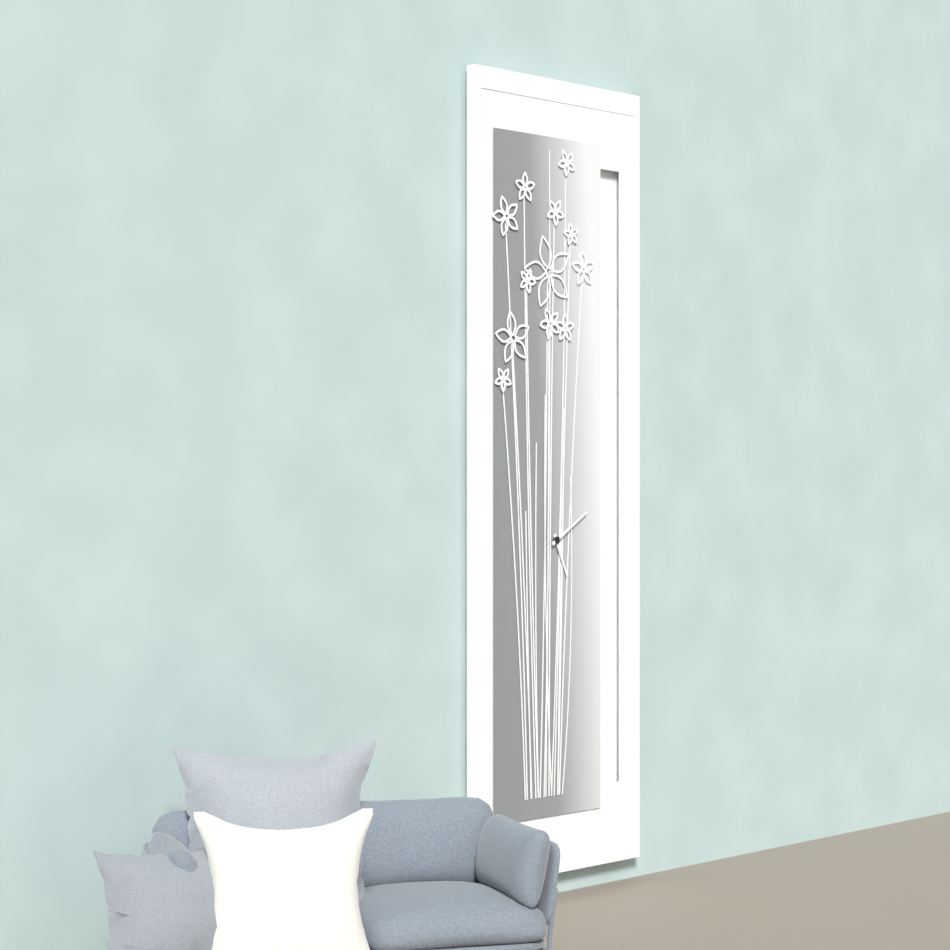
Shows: **5:10**
